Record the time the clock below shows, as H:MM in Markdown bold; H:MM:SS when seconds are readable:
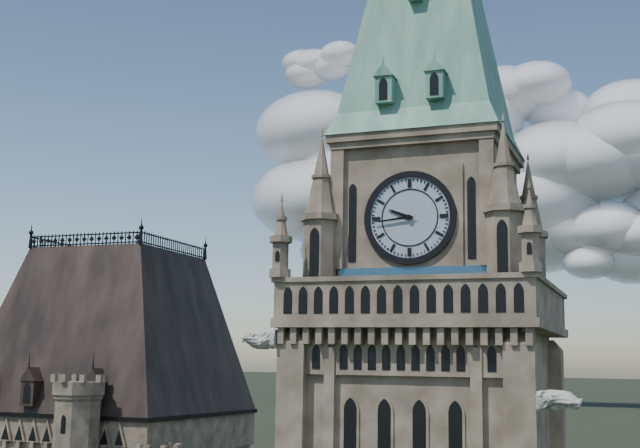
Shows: **9:44**
